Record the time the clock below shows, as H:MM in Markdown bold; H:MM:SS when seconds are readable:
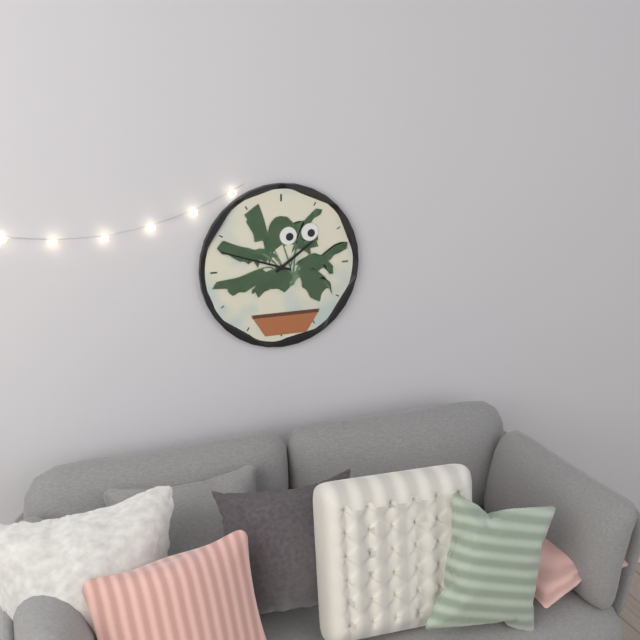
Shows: **1:48**
